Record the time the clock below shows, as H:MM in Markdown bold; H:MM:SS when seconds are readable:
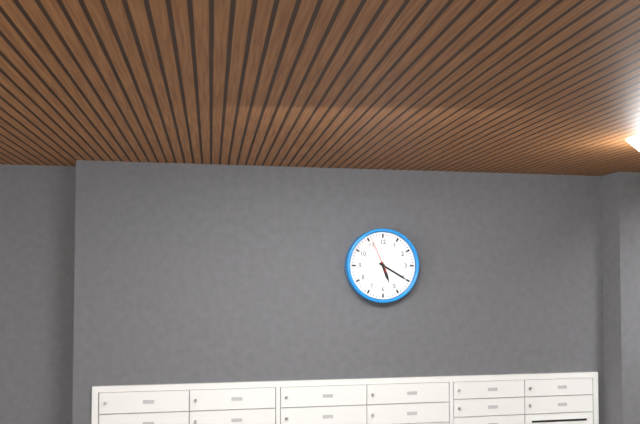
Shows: **5:20**
